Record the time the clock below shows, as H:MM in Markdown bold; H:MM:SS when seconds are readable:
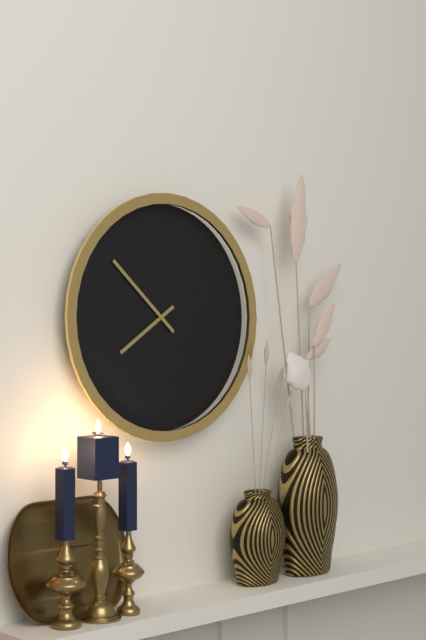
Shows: **7:52**
